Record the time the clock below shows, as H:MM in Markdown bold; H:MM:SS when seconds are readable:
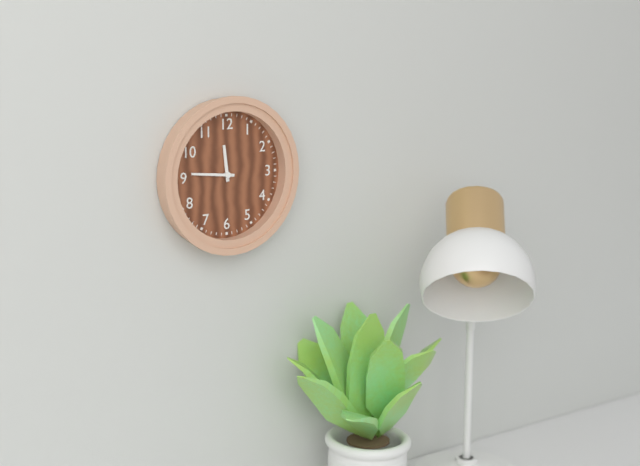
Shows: **11:46**
